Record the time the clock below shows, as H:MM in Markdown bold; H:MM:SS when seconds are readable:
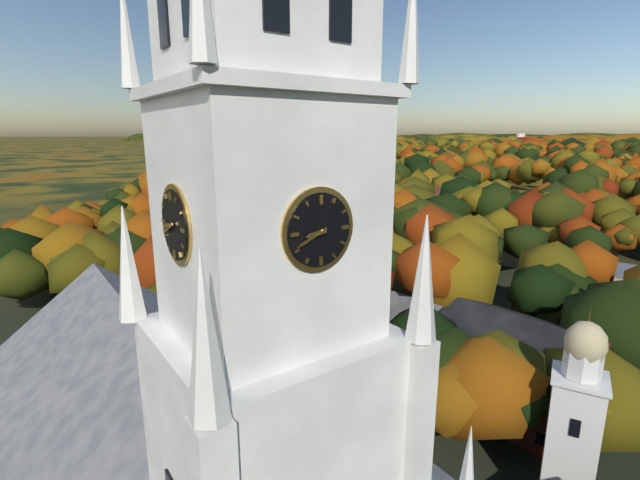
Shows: **8:41**
